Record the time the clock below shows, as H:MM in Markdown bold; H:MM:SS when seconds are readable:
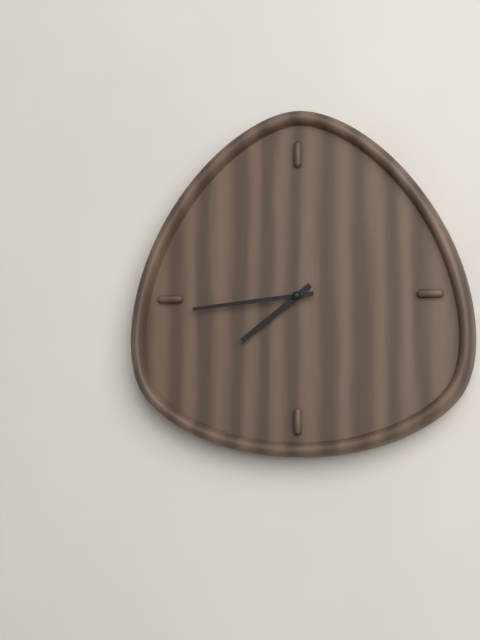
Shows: **7:44**
